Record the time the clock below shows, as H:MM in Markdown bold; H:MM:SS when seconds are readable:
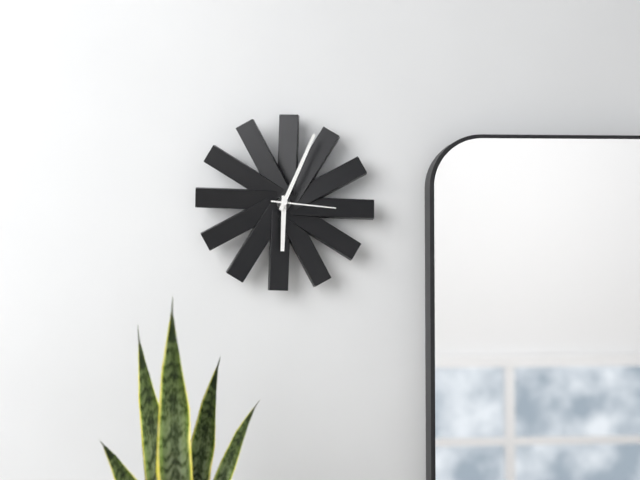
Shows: **6:04:16**
